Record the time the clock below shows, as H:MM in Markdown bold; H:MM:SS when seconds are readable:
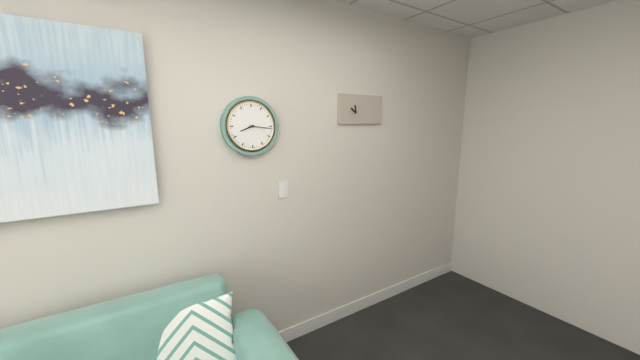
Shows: **8:16**
